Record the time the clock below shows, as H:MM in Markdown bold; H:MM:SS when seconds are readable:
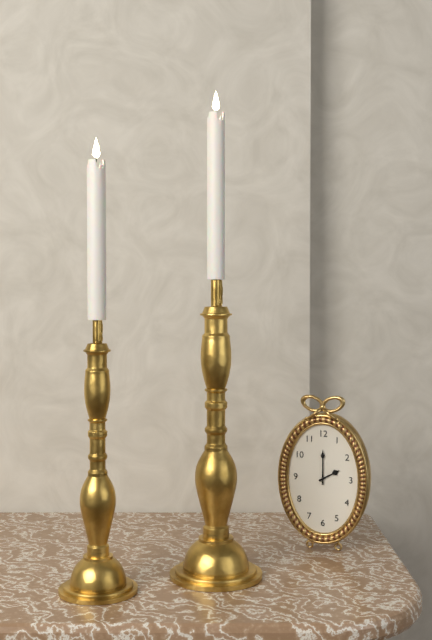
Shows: **2:00**
